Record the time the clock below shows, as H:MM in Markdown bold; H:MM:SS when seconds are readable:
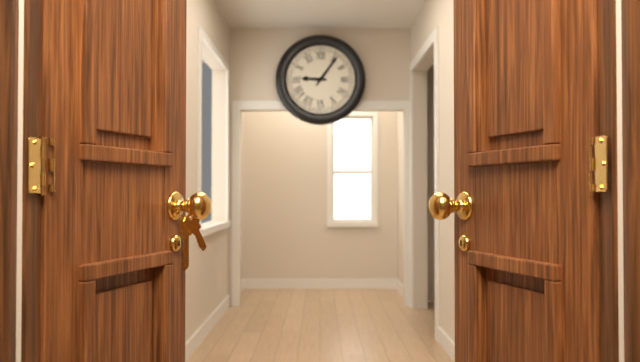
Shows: **9:06**
